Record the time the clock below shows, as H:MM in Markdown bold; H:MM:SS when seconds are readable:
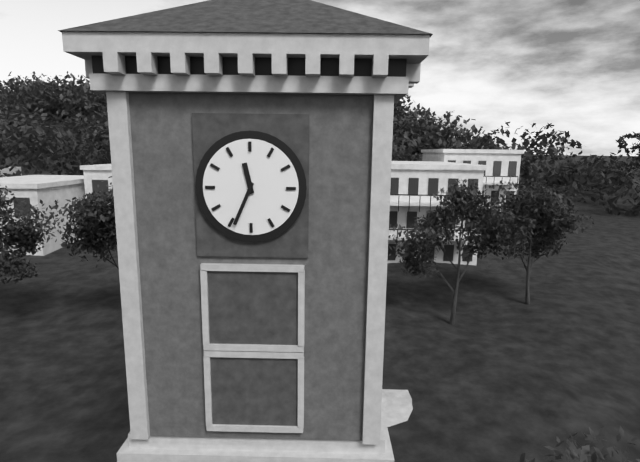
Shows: **11:34**
